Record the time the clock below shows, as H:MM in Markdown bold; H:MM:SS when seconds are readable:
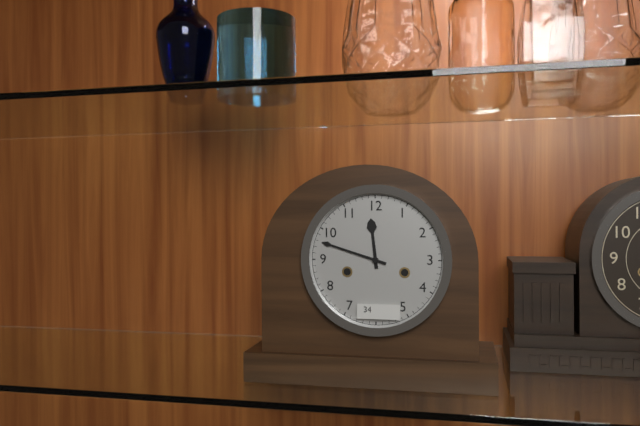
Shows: **11:48**
